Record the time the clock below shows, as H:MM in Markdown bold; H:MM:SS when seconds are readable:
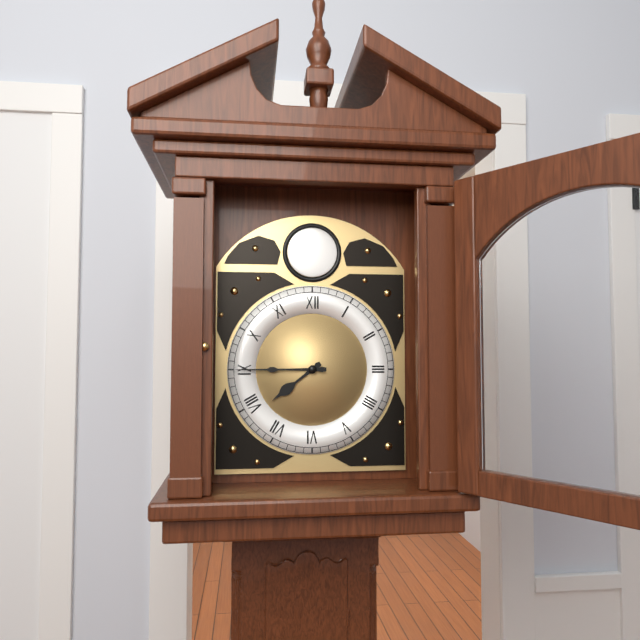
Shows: **7:45**
